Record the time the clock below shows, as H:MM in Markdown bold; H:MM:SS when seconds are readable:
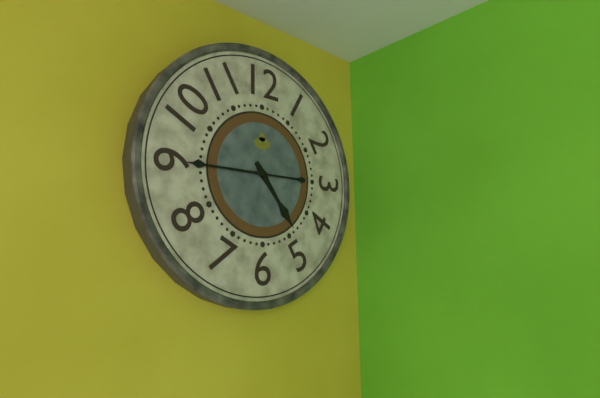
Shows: **4:45**
